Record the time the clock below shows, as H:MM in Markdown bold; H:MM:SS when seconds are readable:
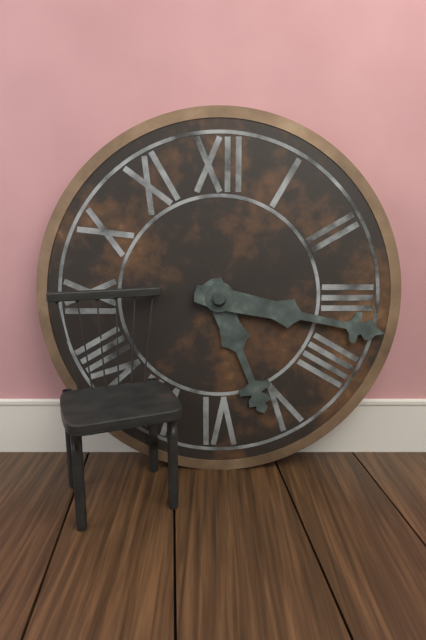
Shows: **5:17**
